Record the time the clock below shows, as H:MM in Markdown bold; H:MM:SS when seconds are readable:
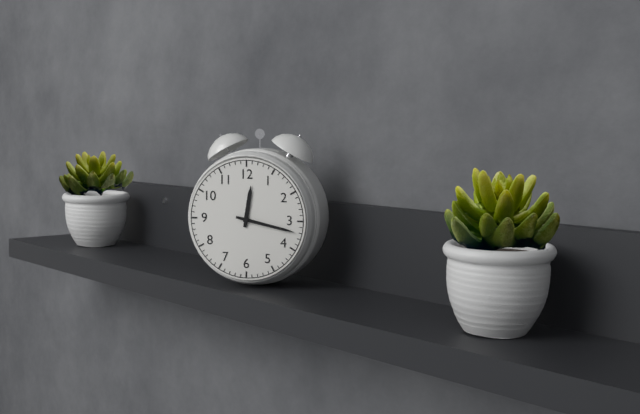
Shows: **12:17**
